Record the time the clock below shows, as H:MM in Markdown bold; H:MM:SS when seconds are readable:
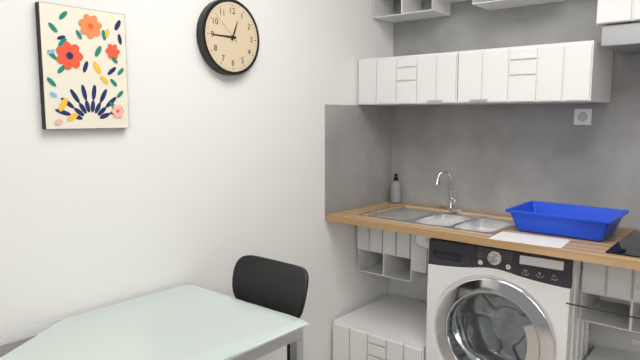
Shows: **12:45**
